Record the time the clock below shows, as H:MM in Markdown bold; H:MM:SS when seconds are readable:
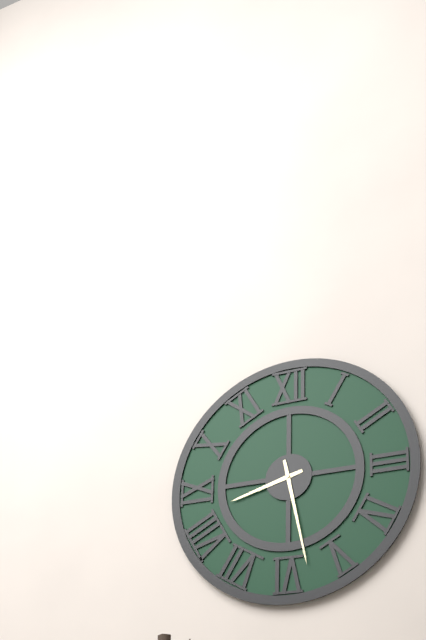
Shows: **8:28**
